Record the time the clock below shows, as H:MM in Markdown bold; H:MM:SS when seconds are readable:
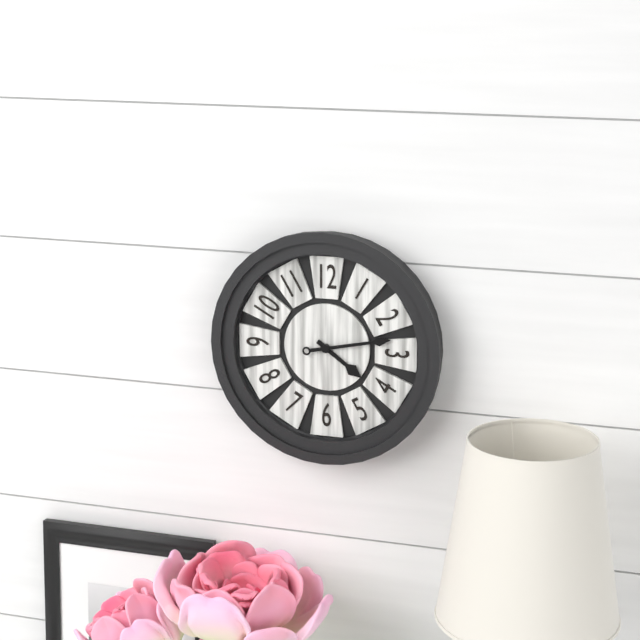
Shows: **4:13**
